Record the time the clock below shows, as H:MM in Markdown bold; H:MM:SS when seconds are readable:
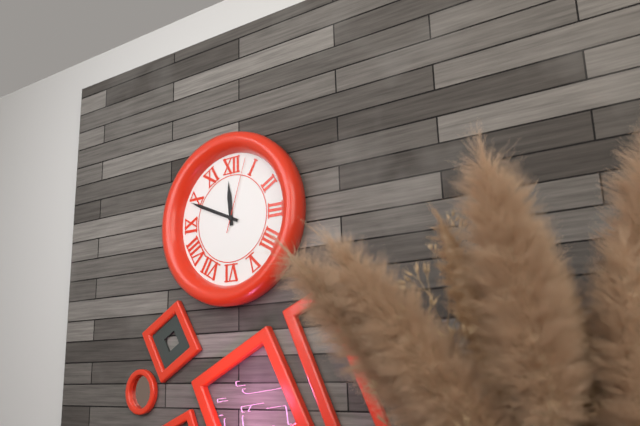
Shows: **11:49:03**
